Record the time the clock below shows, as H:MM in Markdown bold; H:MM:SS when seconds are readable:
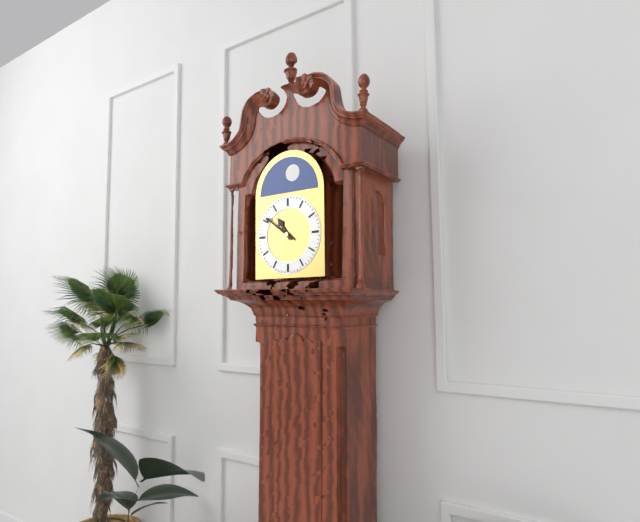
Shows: **10:51**
